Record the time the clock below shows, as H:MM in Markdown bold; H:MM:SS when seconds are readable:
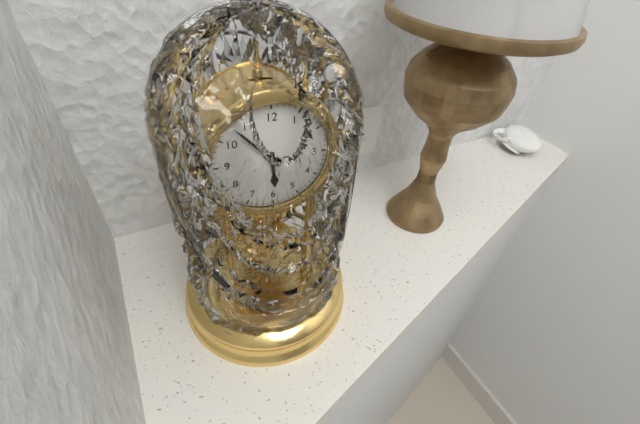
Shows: **5:53**
